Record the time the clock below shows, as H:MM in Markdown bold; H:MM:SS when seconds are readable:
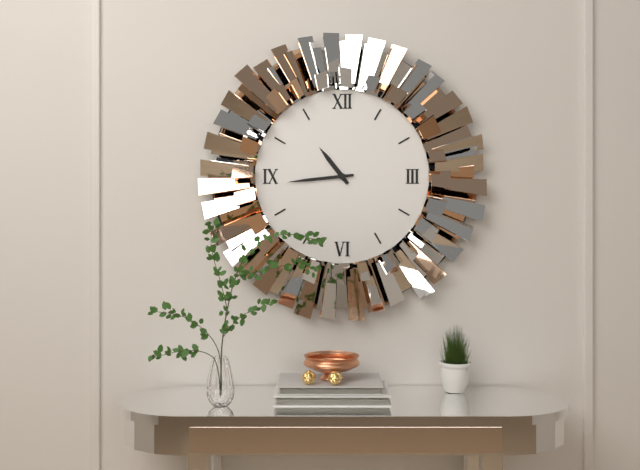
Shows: **10:44**
